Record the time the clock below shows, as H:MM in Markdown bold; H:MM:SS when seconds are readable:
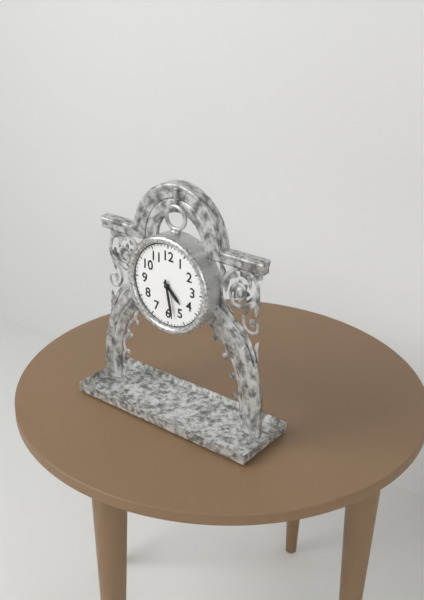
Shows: **4:28**
